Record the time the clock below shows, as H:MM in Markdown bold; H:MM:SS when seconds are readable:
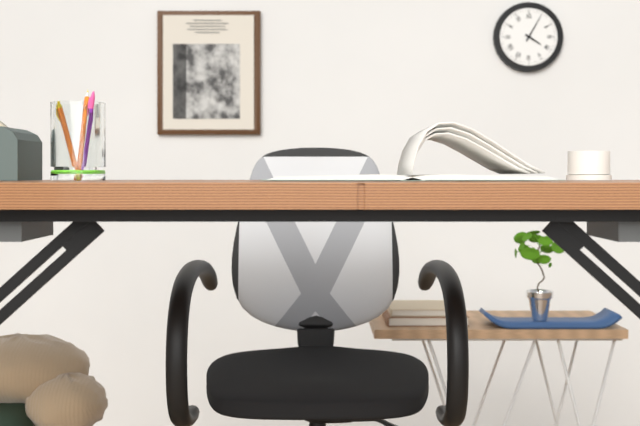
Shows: **4:05**
